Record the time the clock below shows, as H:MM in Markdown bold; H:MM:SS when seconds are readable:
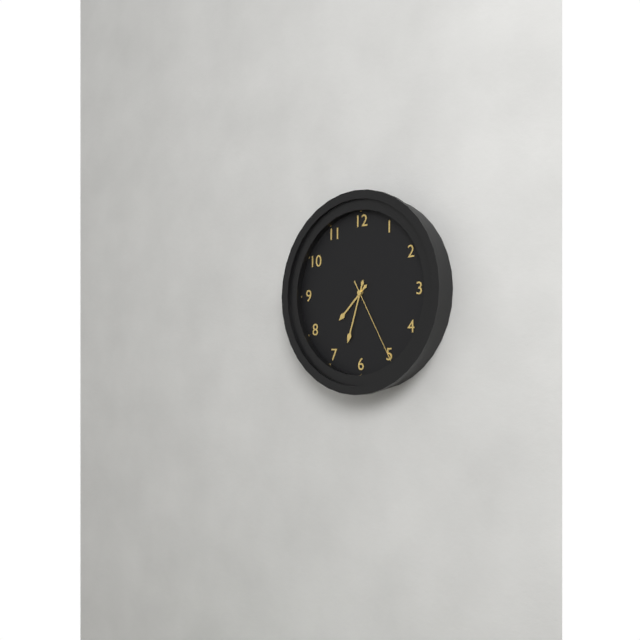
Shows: **7:33:25**
